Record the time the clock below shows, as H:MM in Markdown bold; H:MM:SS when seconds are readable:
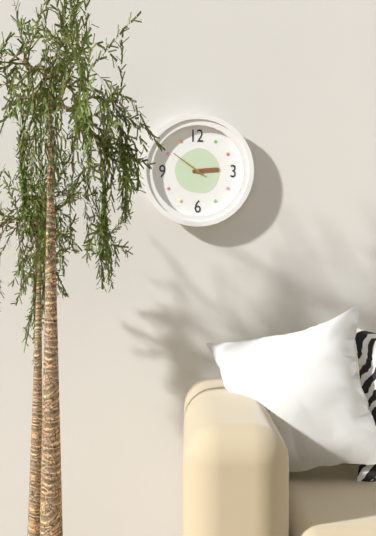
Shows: **2:51**
